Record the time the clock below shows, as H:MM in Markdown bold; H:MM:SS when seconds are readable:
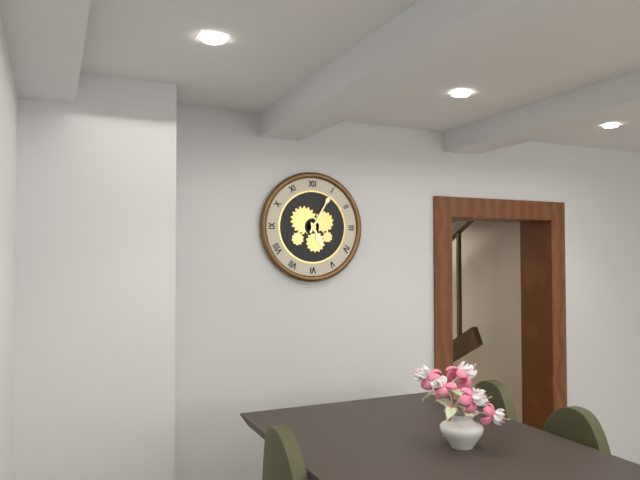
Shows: **5:05**
